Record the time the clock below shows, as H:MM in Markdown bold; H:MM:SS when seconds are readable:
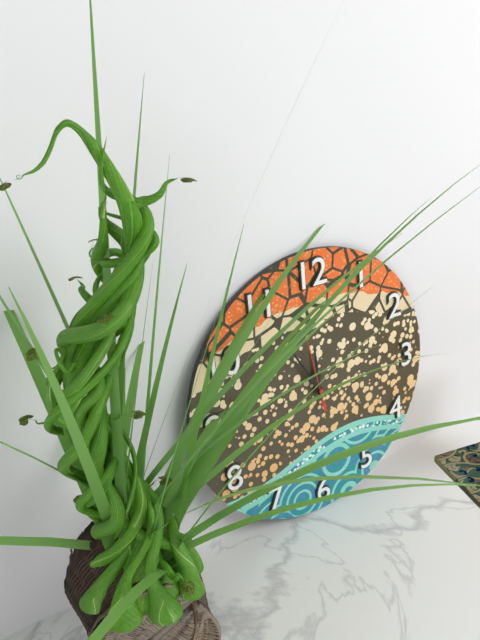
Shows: **11:55:58**
